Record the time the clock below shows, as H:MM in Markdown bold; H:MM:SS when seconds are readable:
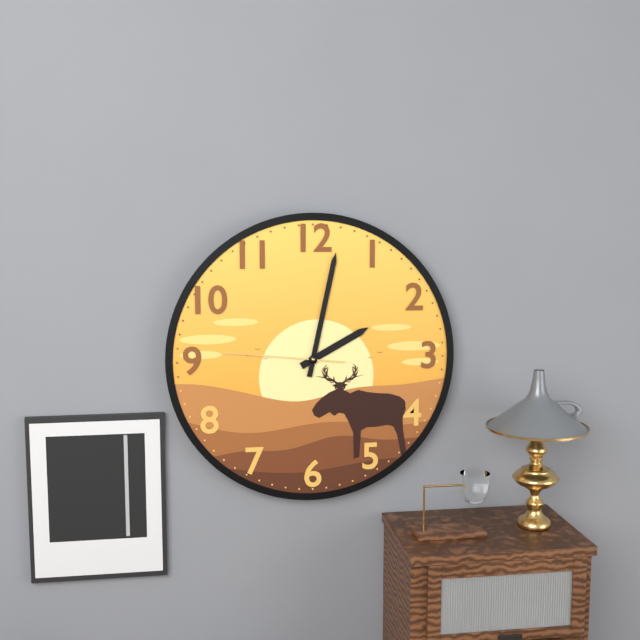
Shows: **2:02:46**
